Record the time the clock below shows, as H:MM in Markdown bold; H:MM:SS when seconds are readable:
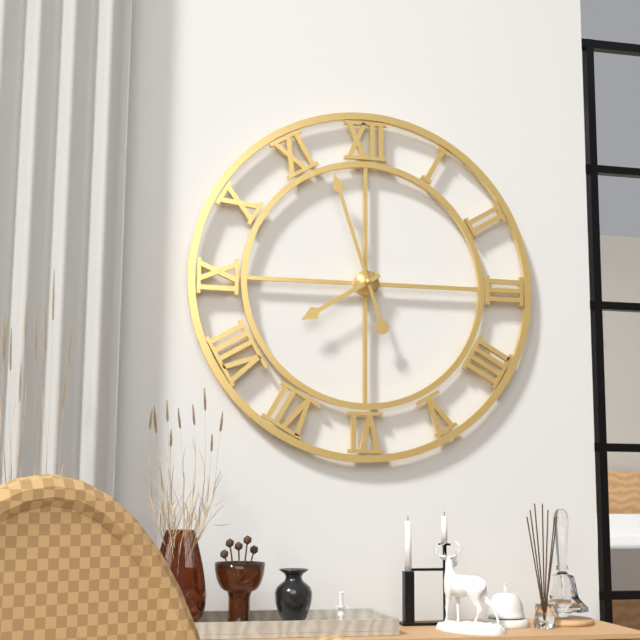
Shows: **7:57**
